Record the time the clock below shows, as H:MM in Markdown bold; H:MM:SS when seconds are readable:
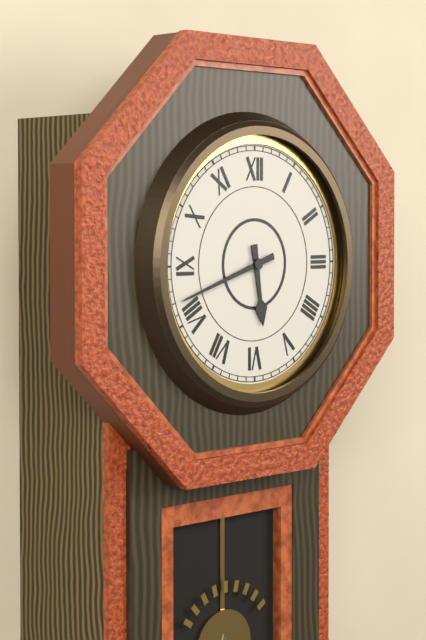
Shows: **5:42**
